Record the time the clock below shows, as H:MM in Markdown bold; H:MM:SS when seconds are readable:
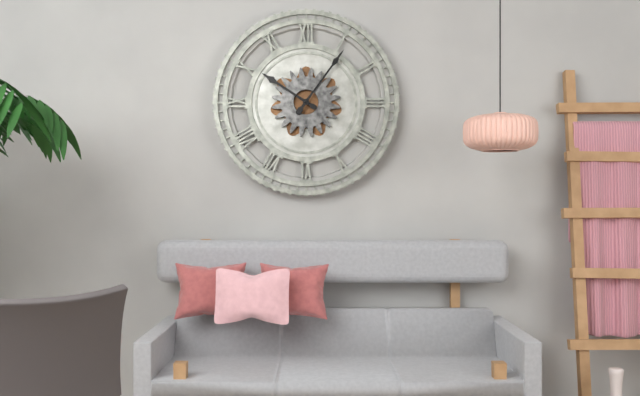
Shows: **10:06**
